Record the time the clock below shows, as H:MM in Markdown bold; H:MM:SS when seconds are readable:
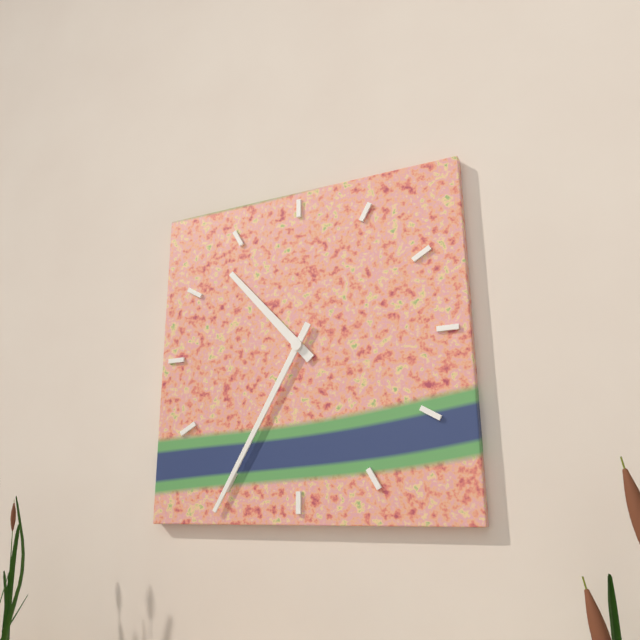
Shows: **10:35**
